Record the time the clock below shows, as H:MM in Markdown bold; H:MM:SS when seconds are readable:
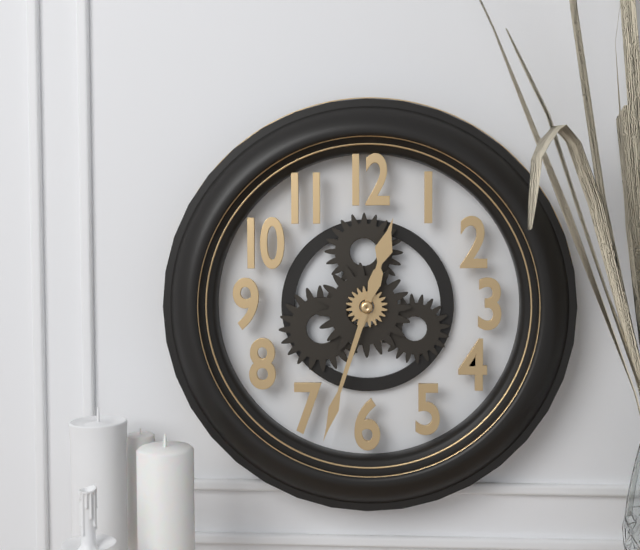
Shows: **12:33**
